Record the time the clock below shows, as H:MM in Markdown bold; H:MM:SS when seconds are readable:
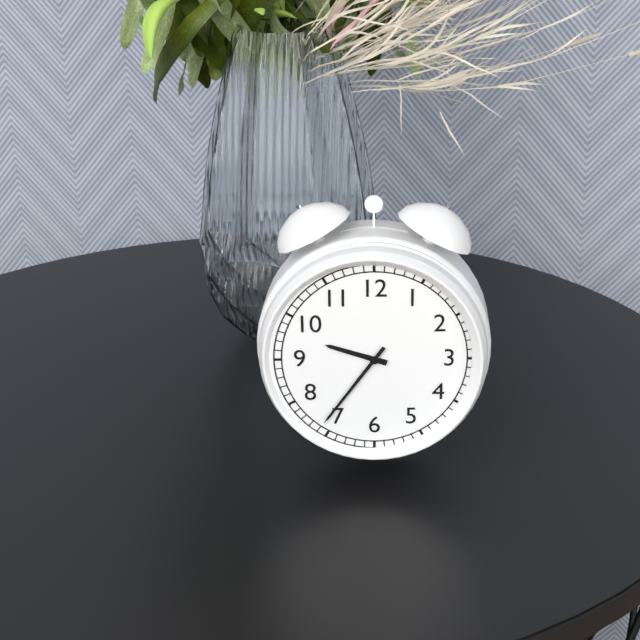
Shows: **9:36**
